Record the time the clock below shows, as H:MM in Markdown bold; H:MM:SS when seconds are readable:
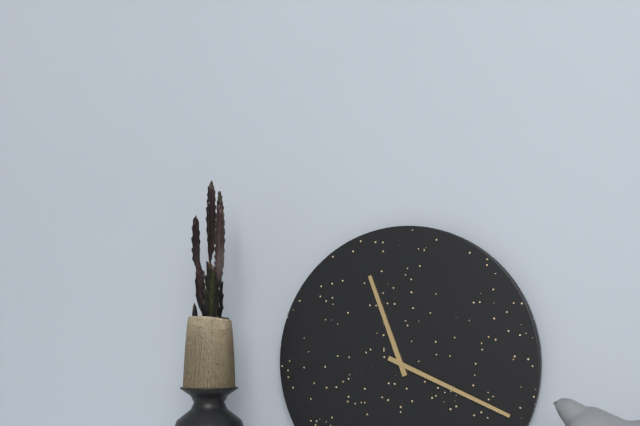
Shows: **11:19**
